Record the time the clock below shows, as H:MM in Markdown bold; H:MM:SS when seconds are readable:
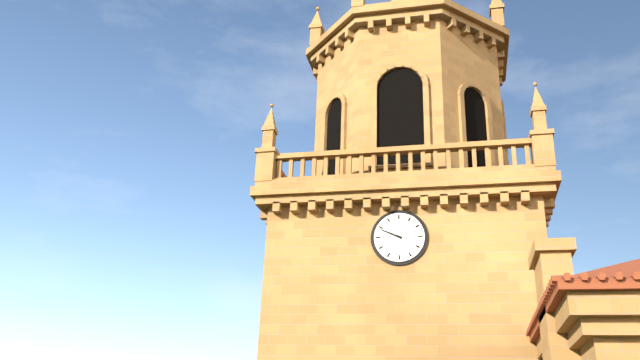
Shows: **9:49**
